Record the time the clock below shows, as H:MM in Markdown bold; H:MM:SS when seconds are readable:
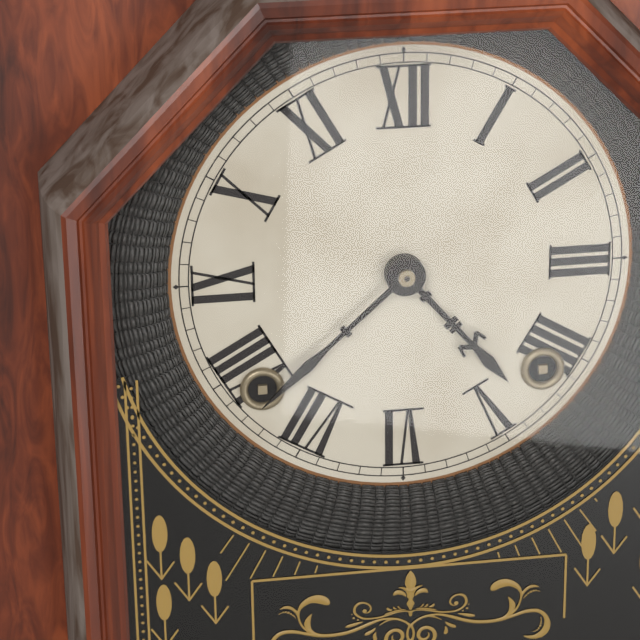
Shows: **4:38**
